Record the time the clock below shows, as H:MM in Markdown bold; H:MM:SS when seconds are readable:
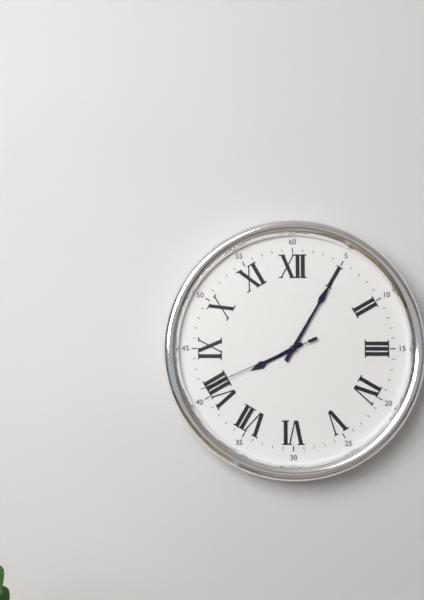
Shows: **8:05:41**
